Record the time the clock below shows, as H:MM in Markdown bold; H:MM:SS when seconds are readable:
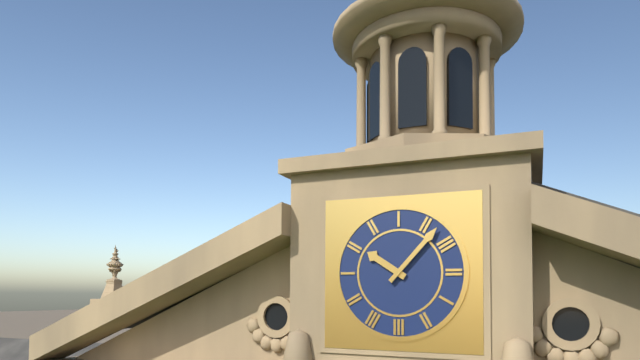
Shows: **10:07**
